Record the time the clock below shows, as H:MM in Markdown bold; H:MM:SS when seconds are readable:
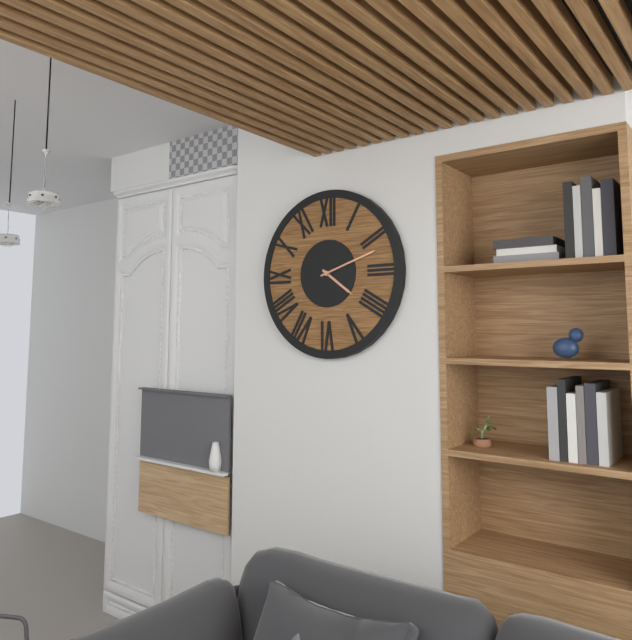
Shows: **4:12**
